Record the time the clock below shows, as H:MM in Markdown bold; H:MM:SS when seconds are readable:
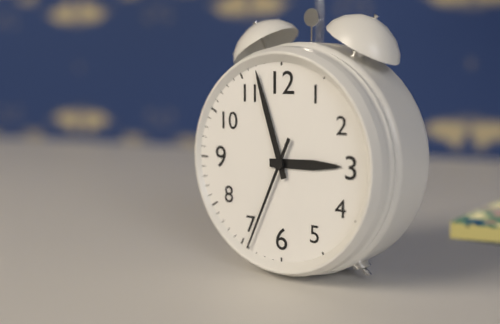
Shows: **2:57:34**
